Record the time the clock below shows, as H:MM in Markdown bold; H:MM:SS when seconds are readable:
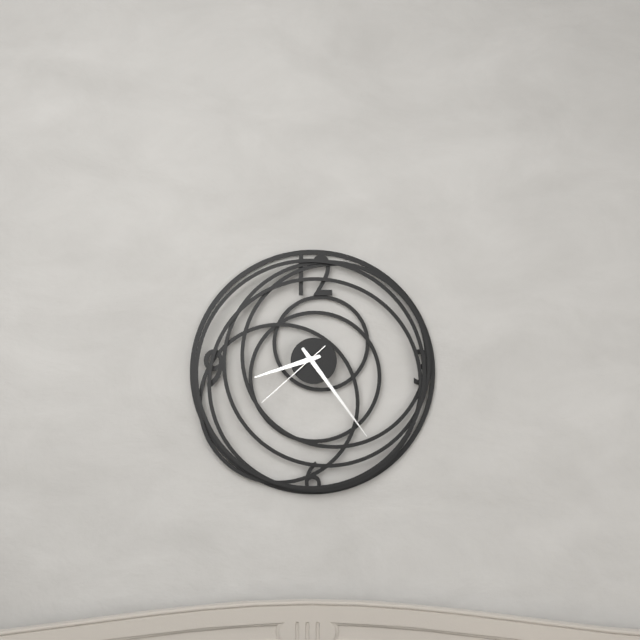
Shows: **8:24:38**
